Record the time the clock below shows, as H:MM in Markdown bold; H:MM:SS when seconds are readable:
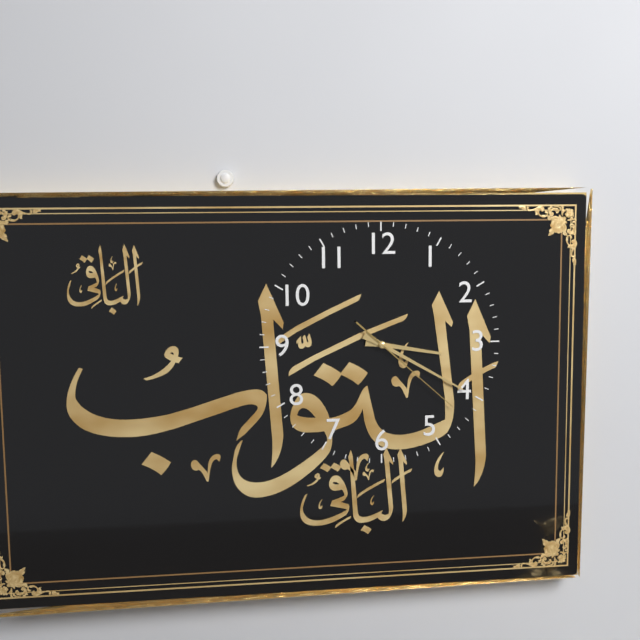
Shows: **3:20:22**
